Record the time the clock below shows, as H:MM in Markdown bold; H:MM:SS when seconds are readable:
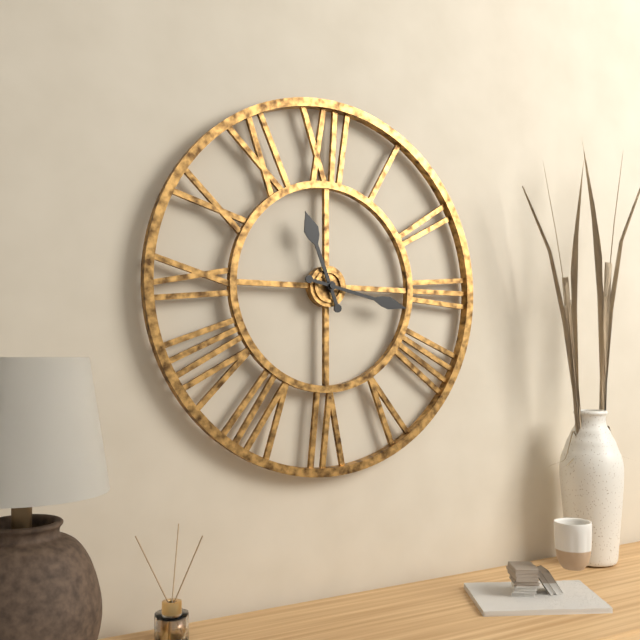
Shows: **11:17**
